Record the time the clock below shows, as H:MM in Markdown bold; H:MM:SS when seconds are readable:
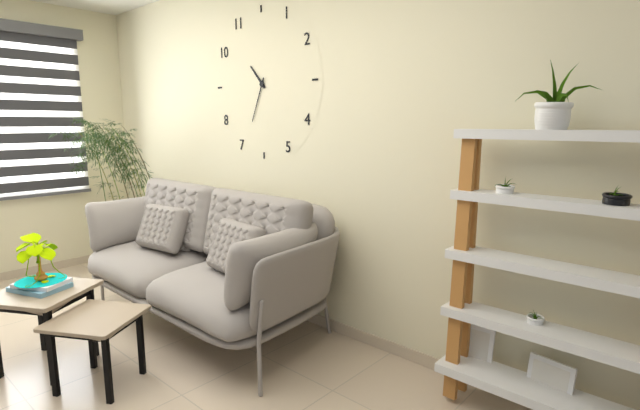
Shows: **10:34**
